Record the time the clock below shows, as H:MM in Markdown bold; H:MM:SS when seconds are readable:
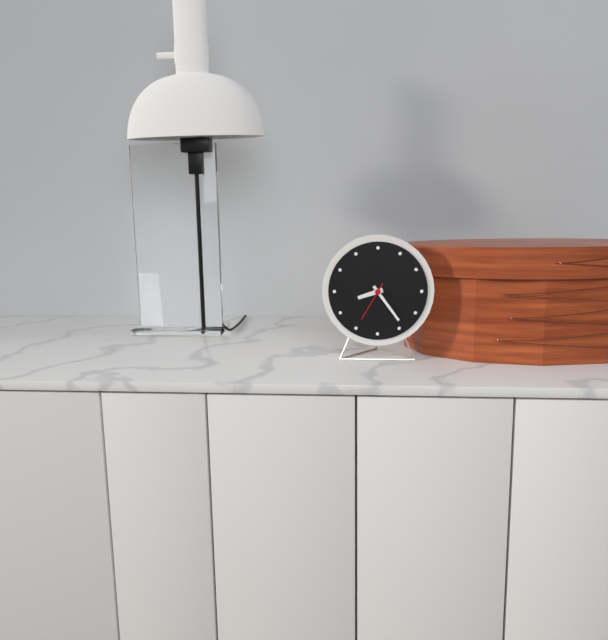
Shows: **8:24**
